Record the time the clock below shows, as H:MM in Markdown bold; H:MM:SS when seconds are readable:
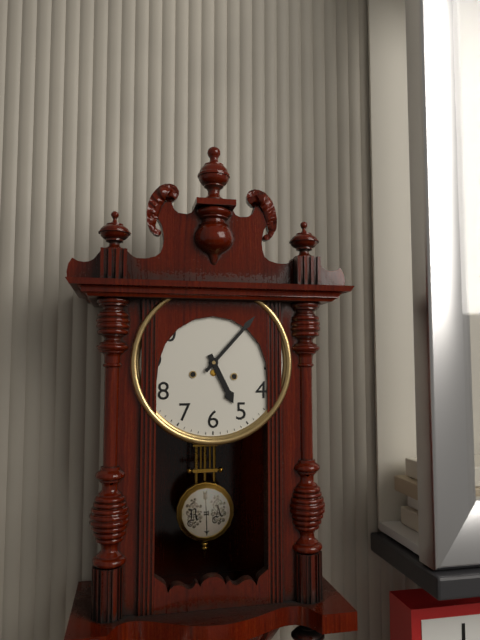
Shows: **5:07**
